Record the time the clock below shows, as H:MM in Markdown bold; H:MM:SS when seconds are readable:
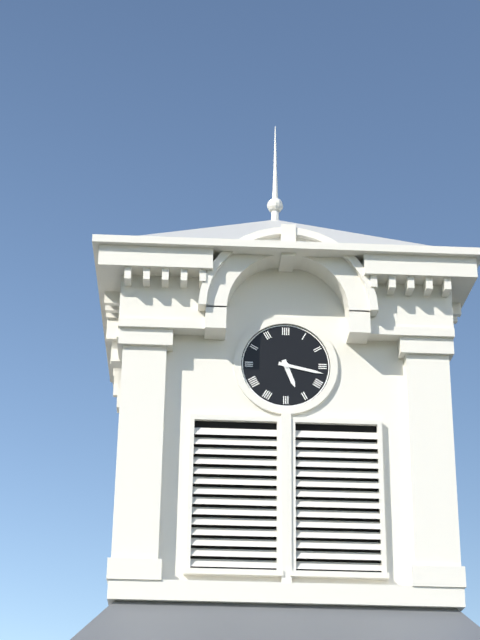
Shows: **5:17**
